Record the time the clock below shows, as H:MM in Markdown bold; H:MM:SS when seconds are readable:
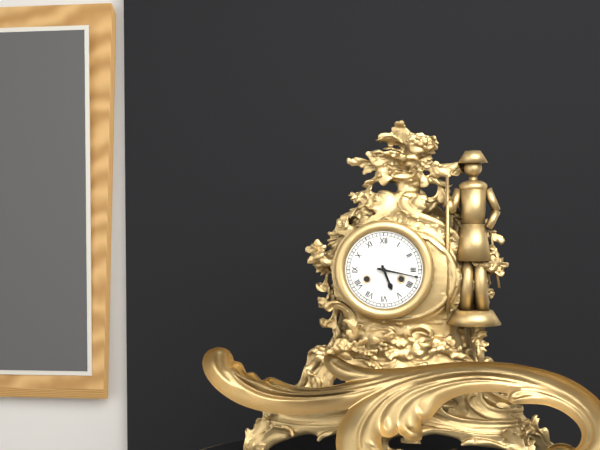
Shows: **5:17**
